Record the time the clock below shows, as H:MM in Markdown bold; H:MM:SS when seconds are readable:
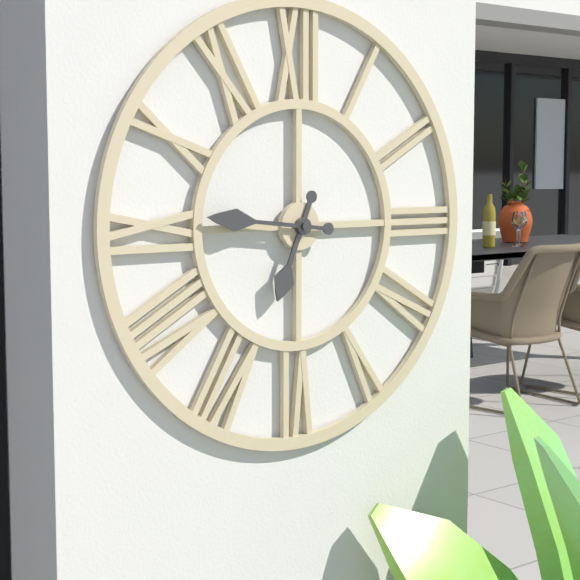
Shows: **6:46**
